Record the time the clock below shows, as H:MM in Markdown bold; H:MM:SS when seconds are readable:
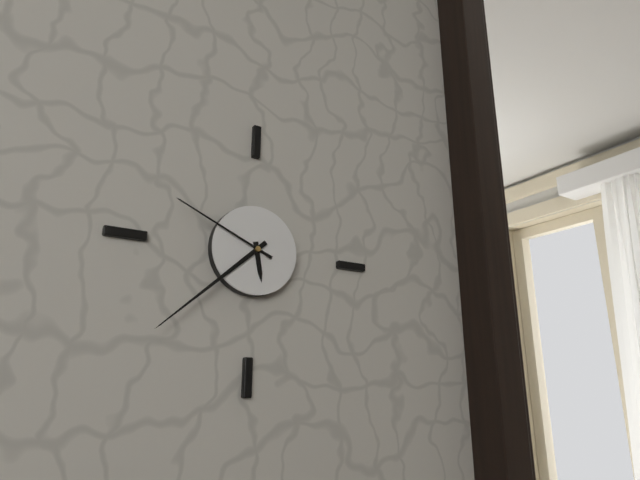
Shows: **5:38:49**
